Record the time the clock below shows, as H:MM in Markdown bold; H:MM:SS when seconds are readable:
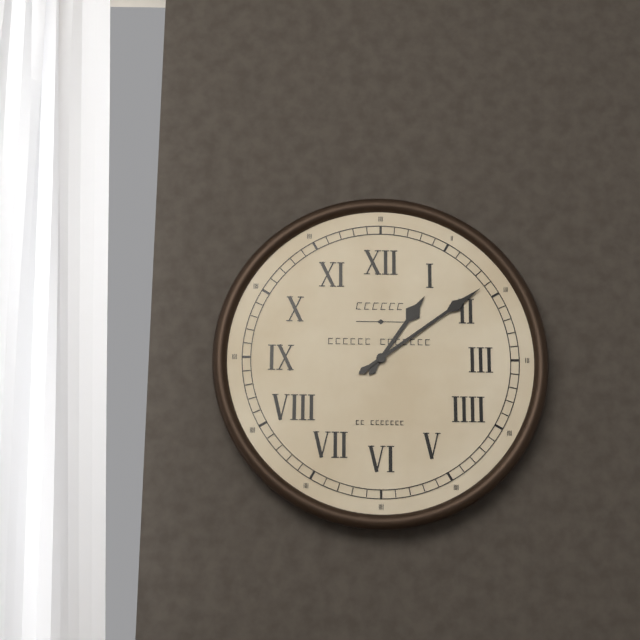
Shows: **1:09**
